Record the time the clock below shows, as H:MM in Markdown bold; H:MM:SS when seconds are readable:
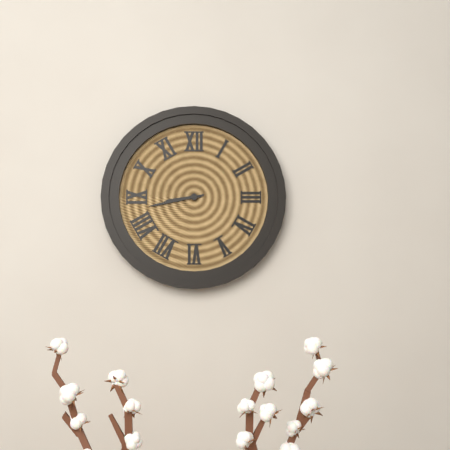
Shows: **8:43**
